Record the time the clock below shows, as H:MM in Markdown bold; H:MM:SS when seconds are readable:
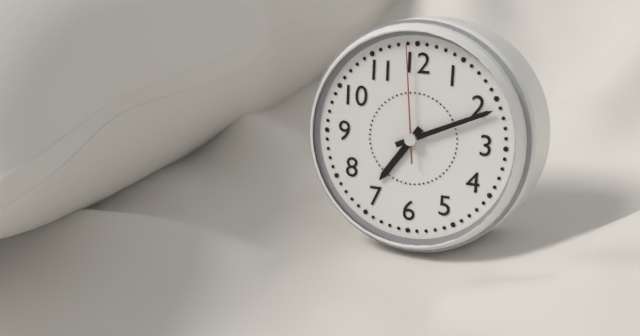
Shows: **7:11:59**
